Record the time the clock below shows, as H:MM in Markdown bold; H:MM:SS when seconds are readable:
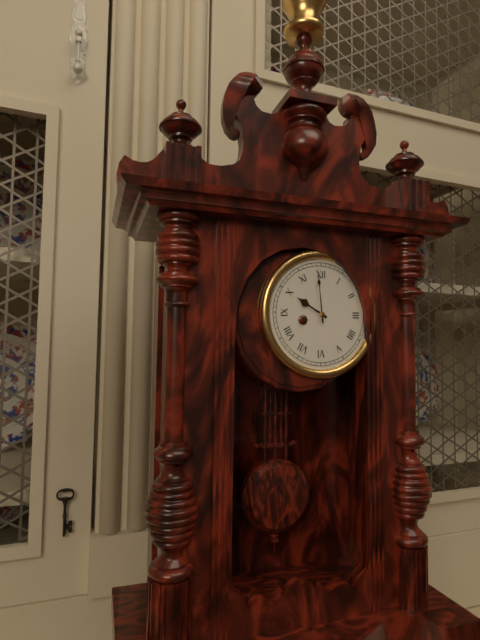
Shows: **9:59**
